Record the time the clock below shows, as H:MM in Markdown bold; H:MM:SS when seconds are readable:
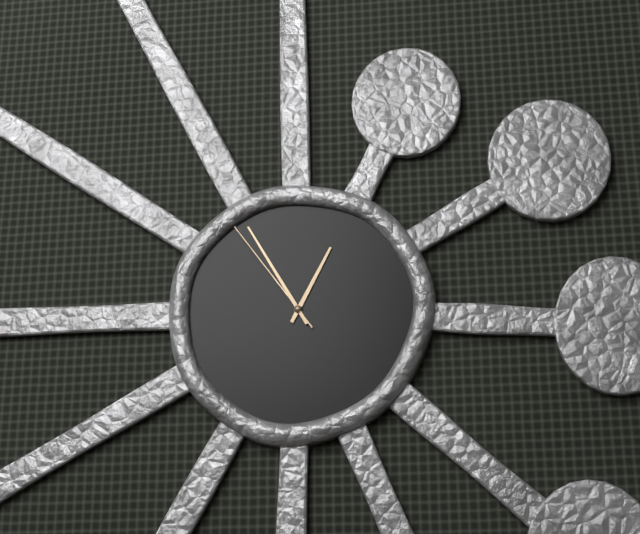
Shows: **12:55:54**
